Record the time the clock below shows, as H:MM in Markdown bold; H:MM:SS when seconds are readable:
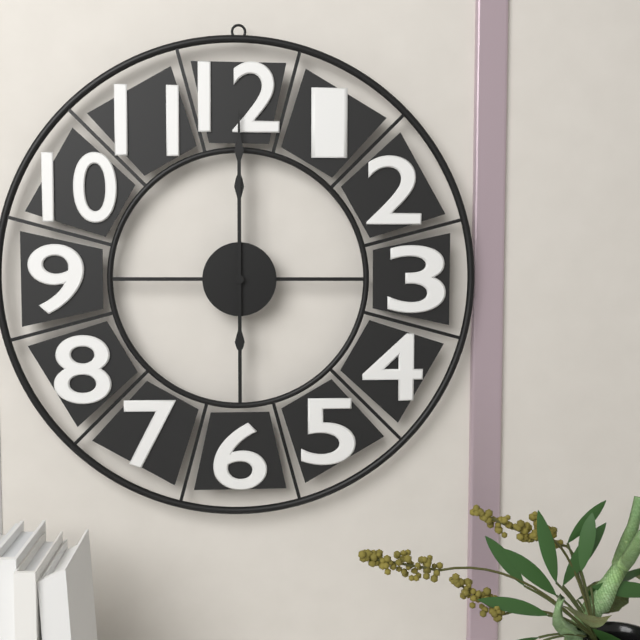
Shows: **12:00**
